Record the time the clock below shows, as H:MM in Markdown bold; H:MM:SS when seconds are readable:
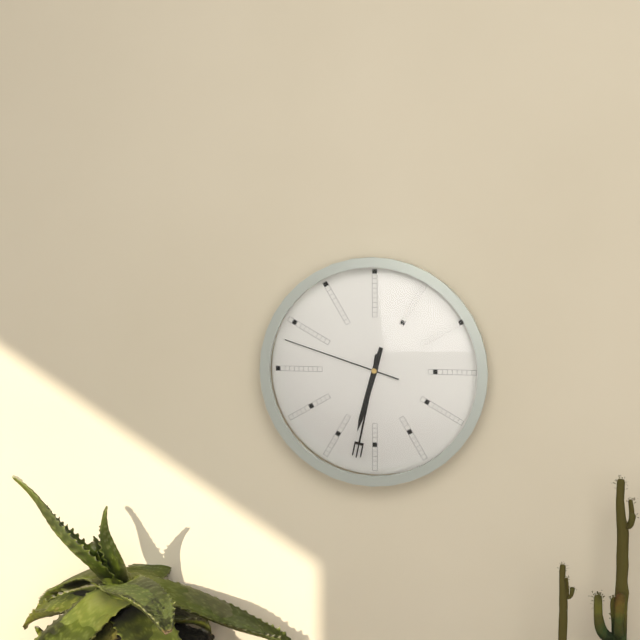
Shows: **6:32:48**
